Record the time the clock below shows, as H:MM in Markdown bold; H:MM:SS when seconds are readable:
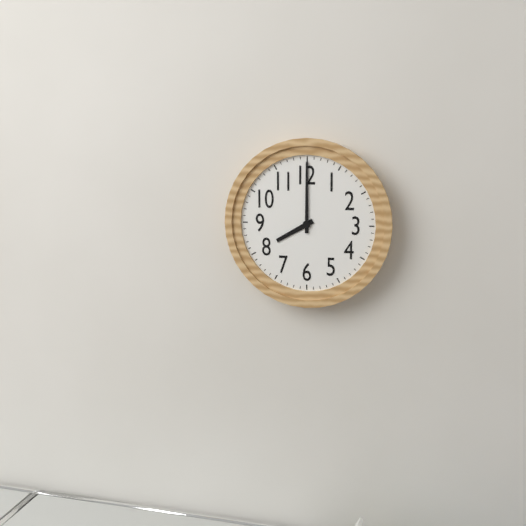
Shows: **8:00**
